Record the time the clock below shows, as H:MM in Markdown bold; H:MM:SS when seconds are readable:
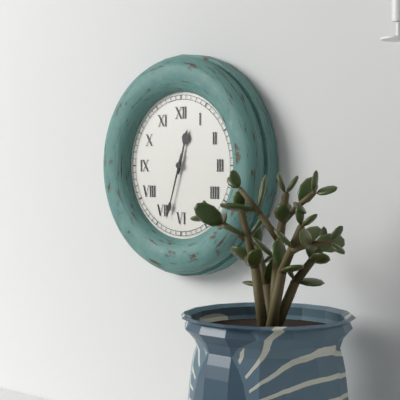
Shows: **12:33**
